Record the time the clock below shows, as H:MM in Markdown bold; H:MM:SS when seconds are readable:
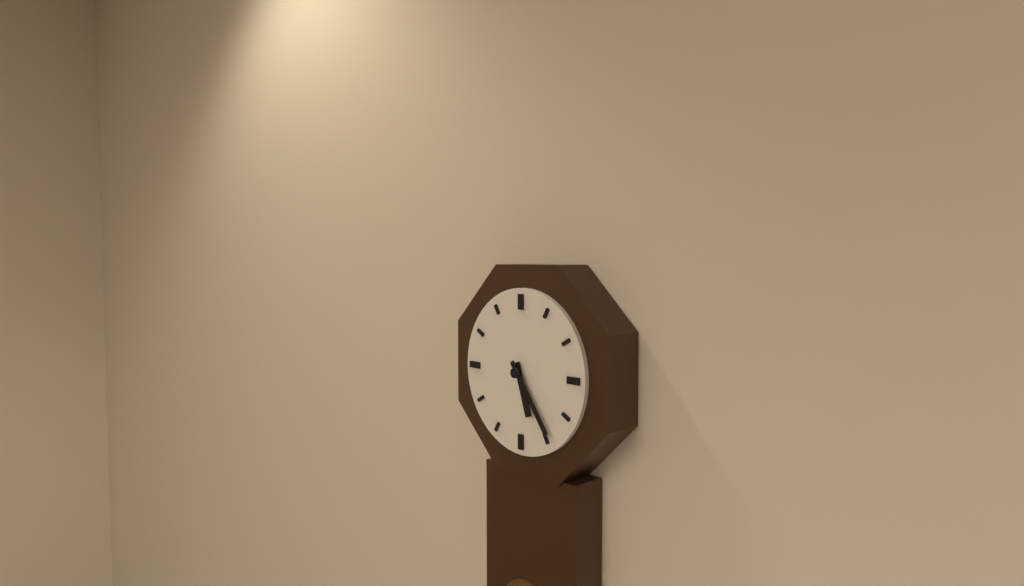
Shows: **5:24**
